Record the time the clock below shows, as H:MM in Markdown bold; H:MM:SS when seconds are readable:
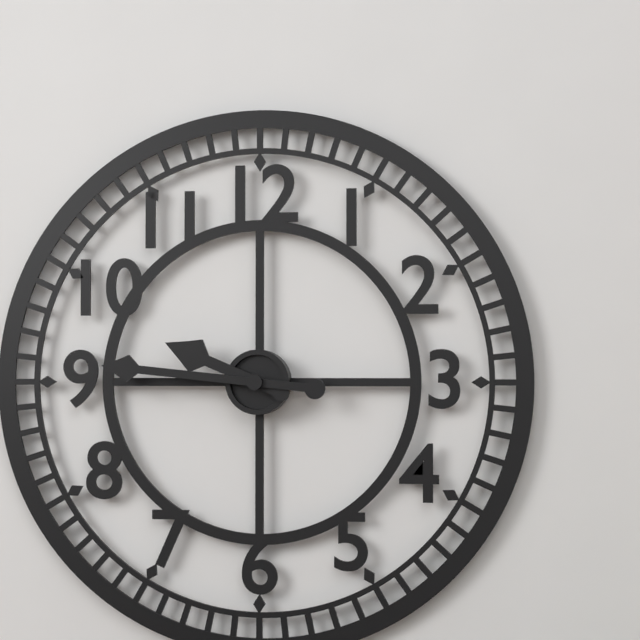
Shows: **9:46**
